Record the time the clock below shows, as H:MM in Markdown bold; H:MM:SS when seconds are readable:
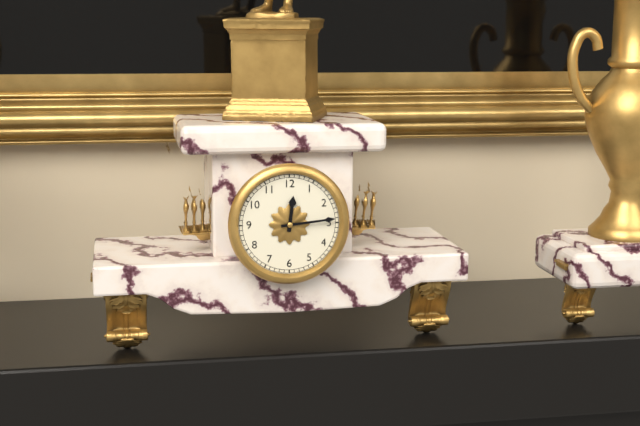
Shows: **12:14**
